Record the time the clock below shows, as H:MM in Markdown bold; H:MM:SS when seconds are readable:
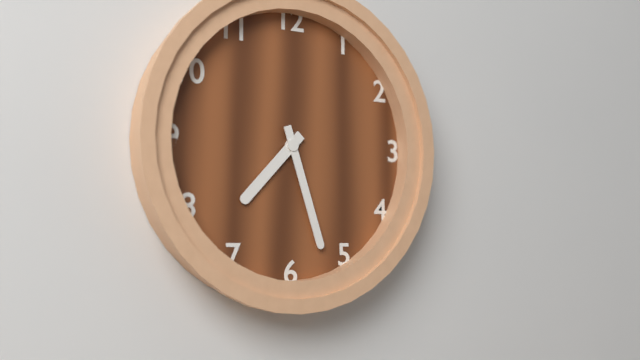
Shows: **7:27**
